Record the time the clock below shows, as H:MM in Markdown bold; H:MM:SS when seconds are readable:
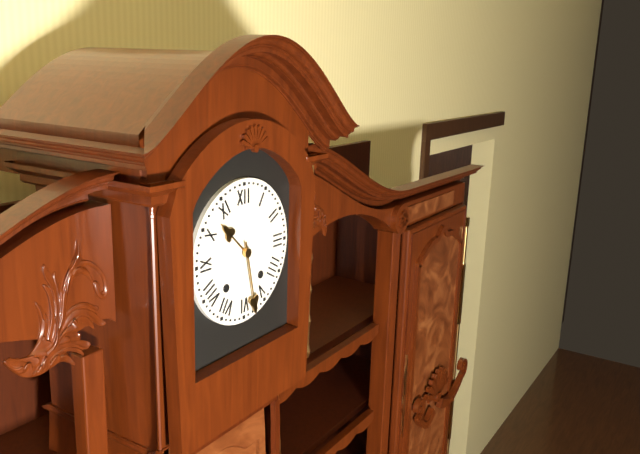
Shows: **10:28**
